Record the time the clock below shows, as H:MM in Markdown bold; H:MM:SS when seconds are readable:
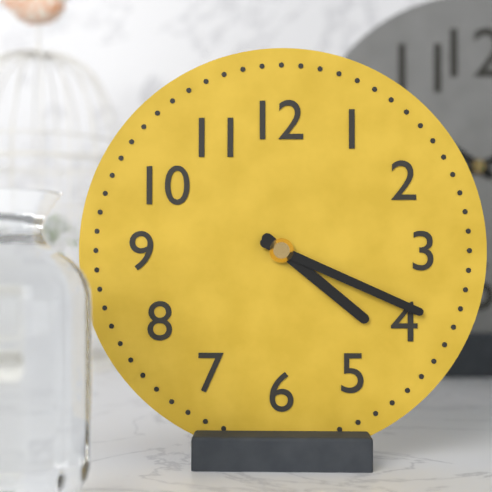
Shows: **4:19**
